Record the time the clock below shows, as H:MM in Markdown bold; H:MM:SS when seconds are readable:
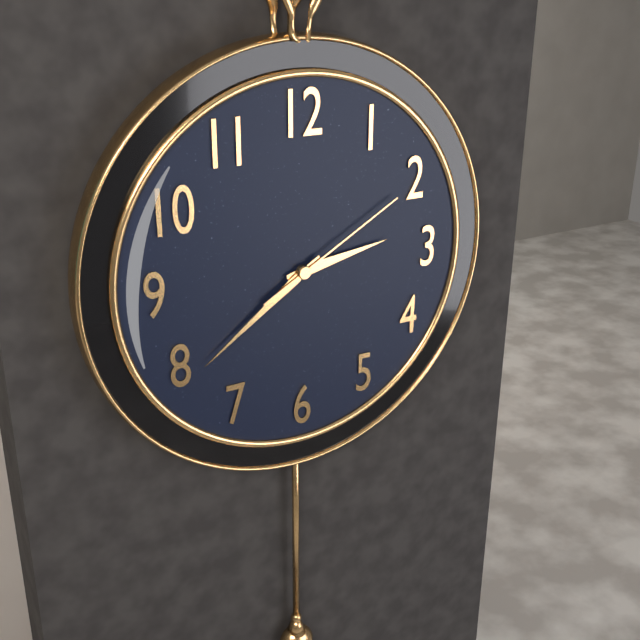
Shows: **2:39:10**
